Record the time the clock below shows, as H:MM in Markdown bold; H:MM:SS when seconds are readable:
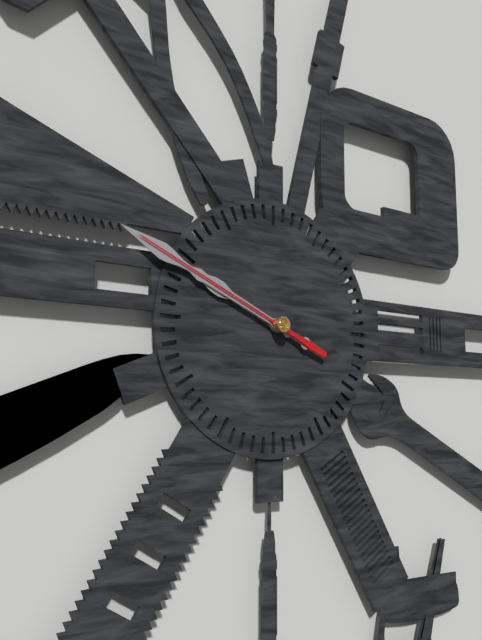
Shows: **9:49:49**
